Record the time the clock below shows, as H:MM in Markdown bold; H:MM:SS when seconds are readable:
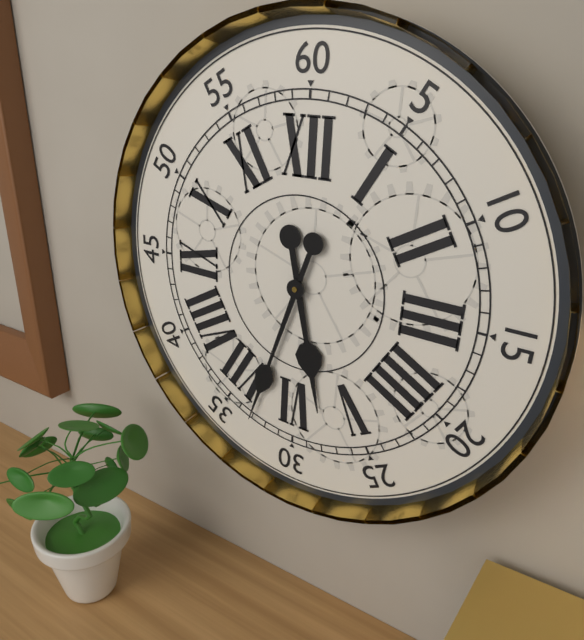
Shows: **5:33**
